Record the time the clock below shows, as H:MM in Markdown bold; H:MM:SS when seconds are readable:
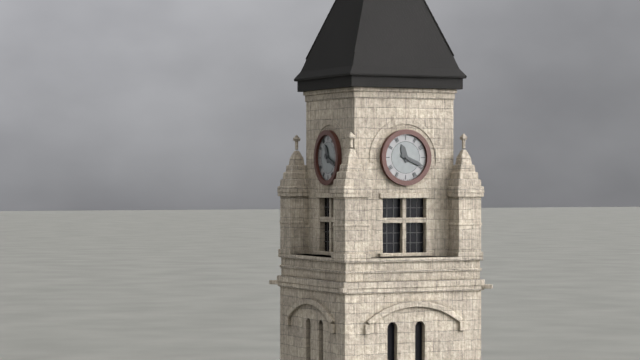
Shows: **11:19**
